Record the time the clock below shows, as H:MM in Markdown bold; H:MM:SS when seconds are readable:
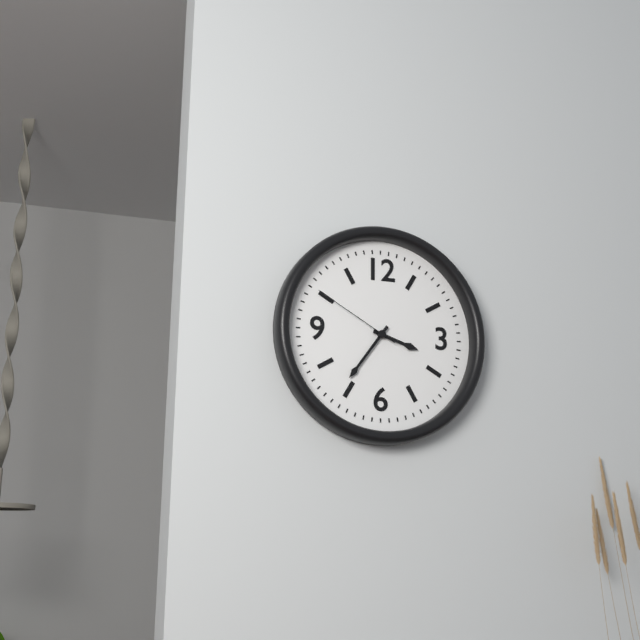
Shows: **3:36:50**
